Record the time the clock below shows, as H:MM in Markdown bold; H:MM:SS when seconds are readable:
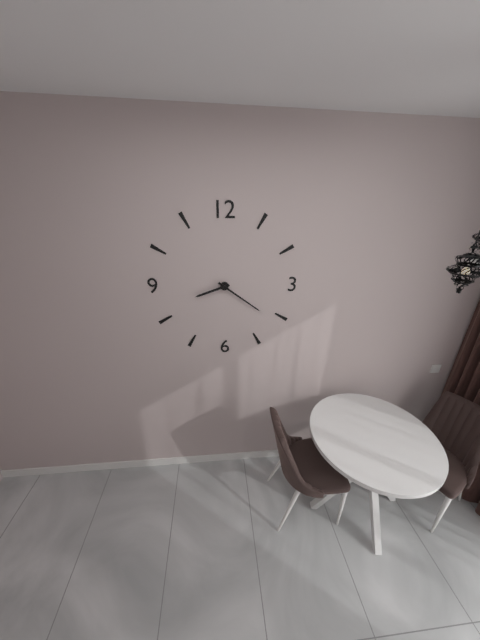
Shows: **8:21**
